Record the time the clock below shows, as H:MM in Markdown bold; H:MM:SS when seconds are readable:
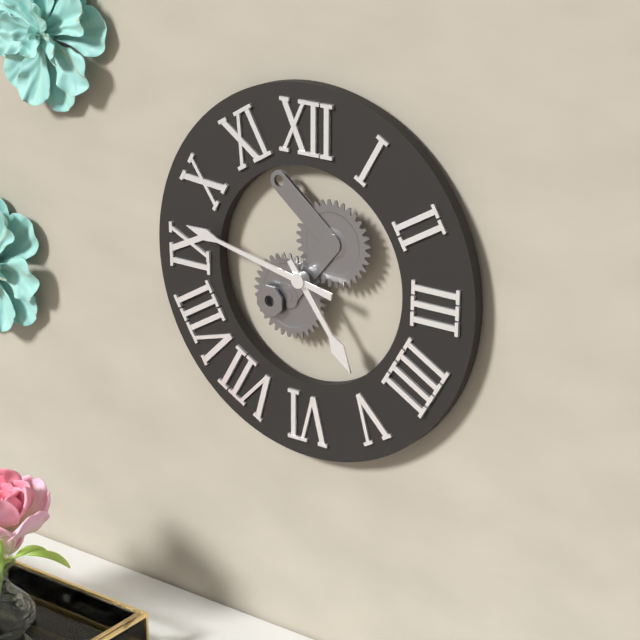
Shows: **4:47**
